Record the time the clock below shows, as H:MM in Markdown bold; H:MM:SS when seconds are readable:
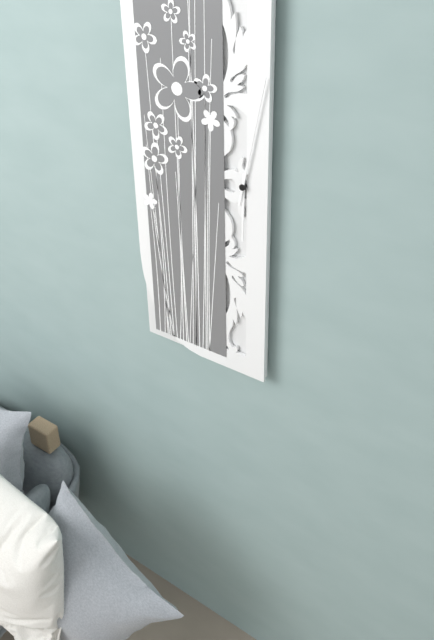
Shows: **6:02**
